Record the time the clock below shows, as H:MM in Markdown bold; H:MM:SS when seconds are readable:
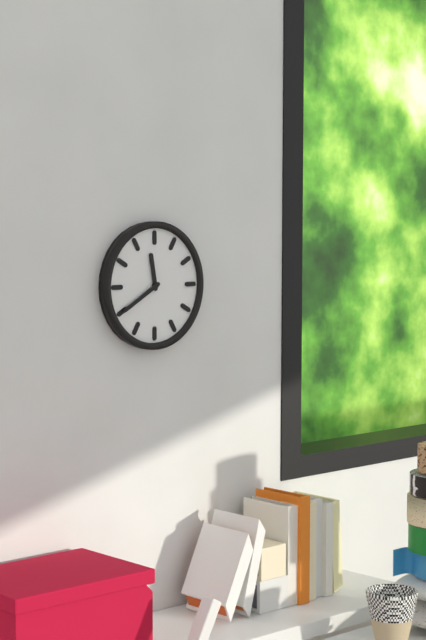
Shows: **11:40**
